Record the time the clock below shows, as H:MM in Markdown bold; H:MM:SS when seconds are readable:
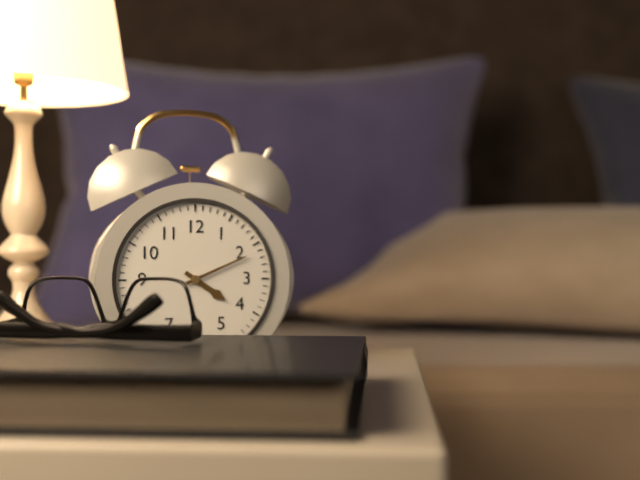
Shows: **4:11**
